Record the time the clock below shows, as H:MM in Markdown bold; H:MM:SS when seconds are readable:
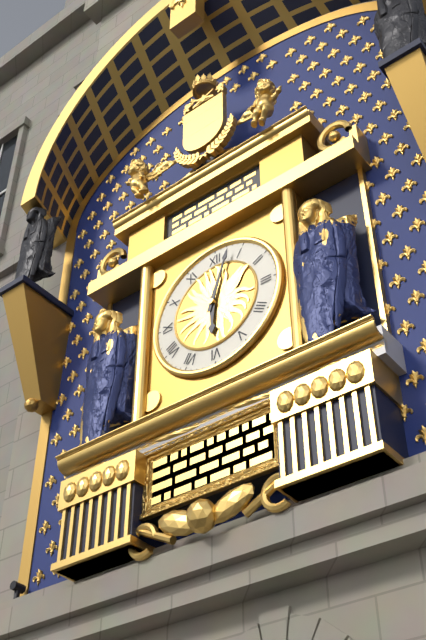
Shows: **6:03**
